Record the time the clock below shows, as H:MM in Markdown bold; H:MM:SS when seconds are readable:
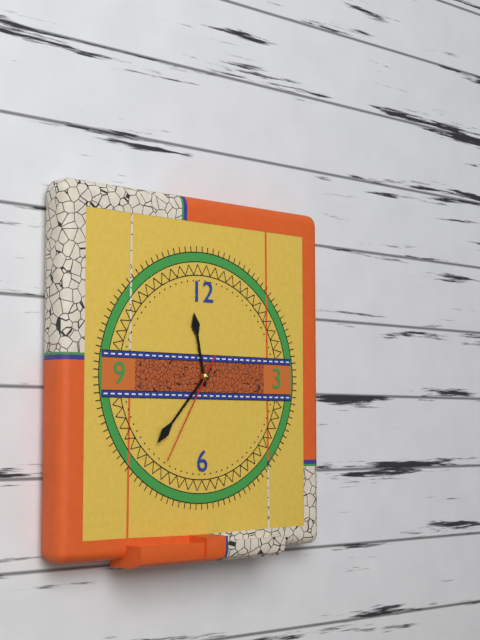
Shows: **11:37:35**
